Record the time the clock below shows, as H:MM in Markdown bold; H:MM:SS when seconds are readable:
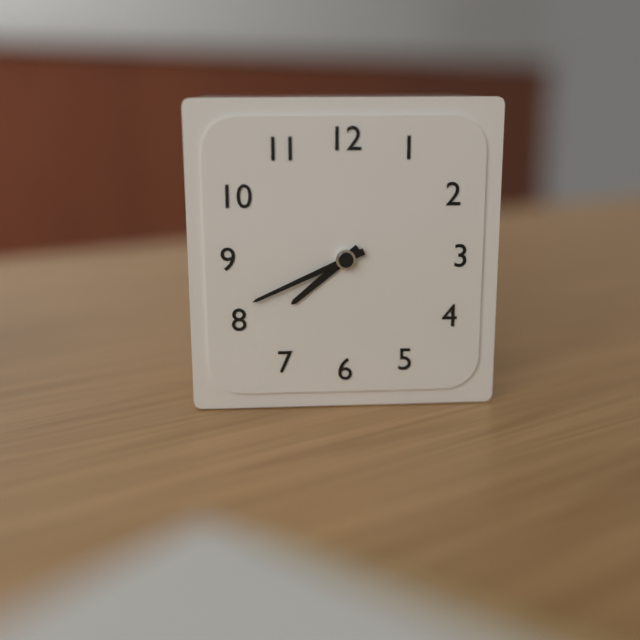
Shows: **7:41**
